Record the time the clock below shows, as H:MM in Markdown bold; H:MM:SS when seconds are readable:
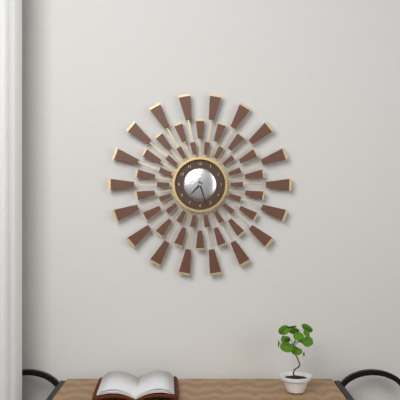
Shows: **7:27**
